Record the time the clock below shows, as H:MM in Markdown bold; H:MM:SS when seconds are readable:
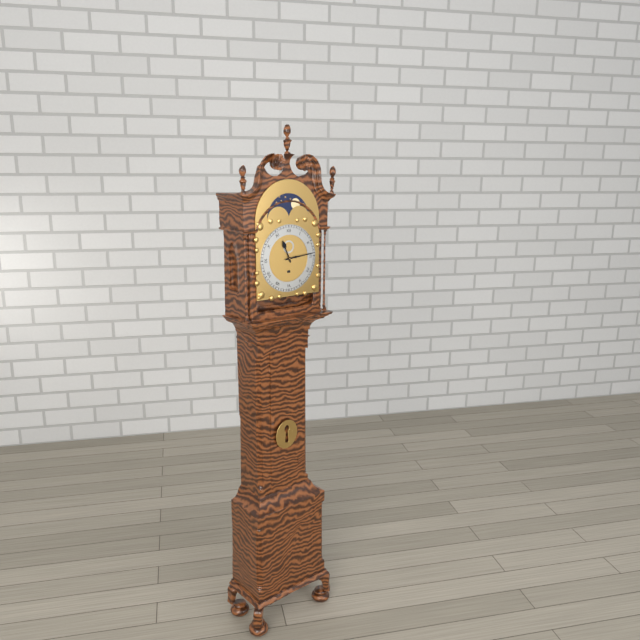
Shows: **11:14**
